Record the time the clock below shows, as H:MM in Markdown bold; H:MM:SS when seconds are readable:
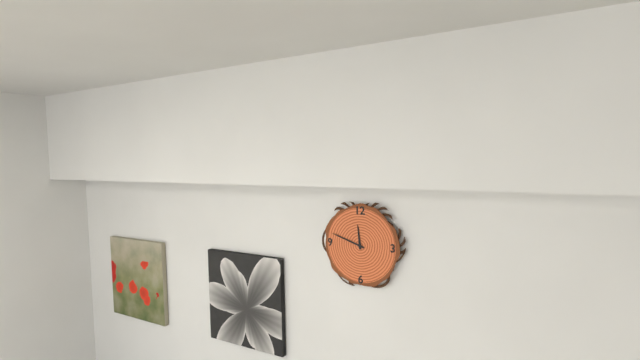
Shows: **11:48**
